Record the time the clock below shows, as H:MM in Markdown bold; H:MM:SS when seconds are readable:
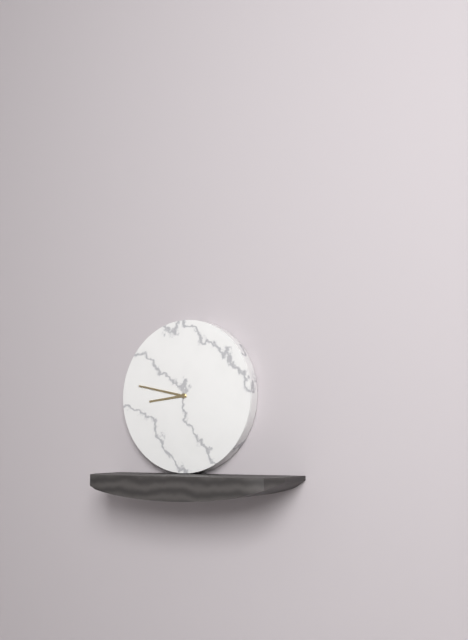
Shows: **8:47**
